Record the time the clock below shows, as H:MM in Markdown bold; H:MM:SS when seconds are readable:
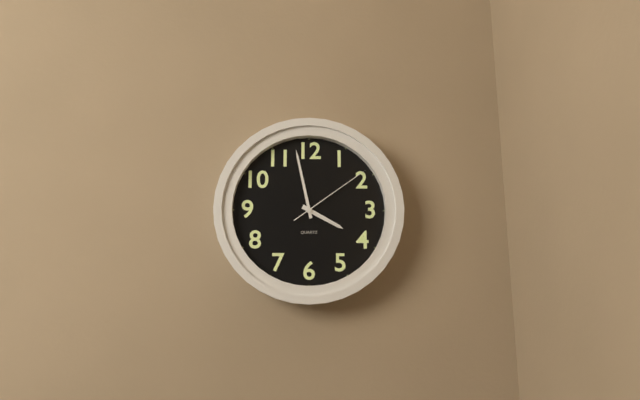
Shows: **3:58:09**
